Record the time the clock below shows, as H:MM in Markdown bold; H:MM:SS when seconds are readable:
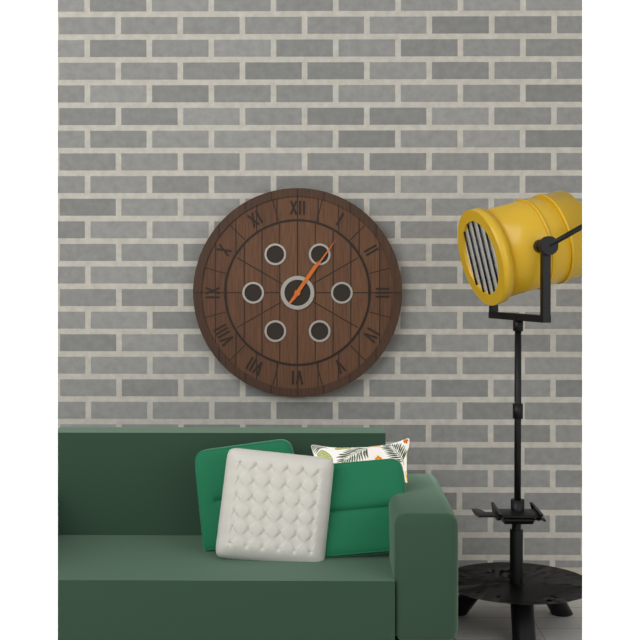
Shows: **1:06**
